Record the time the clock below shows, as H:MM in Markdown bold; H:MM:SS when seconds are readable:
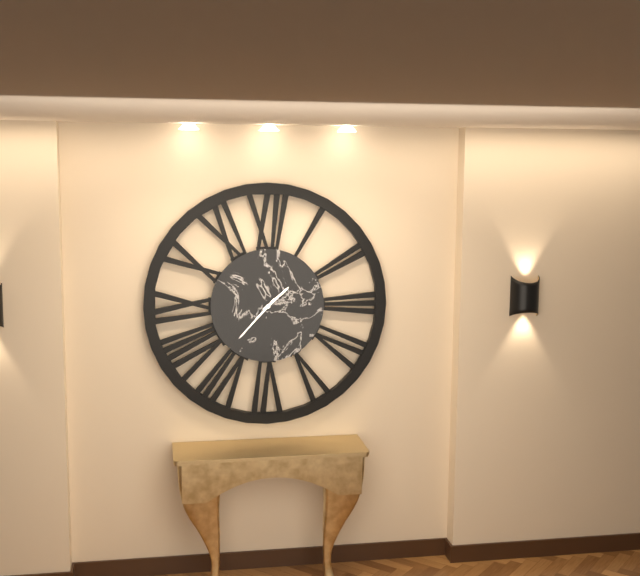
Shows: **1:37**
